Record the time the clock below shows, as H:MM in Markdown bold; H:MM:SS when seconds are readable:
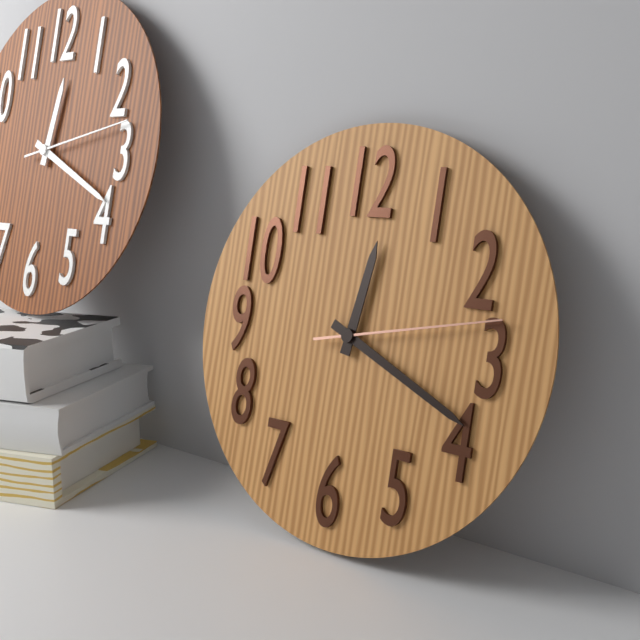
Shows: **12:19:13**
